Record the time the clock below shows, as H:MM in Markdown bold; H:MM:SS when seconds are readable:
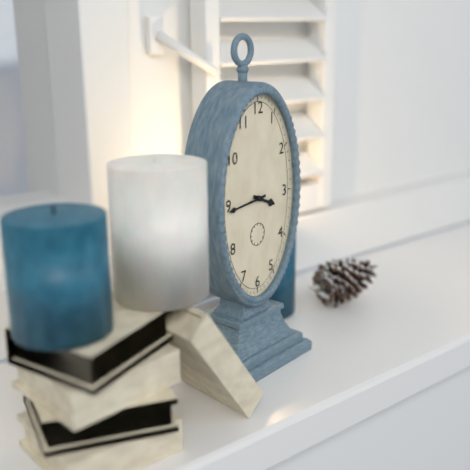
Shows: **3:44**
